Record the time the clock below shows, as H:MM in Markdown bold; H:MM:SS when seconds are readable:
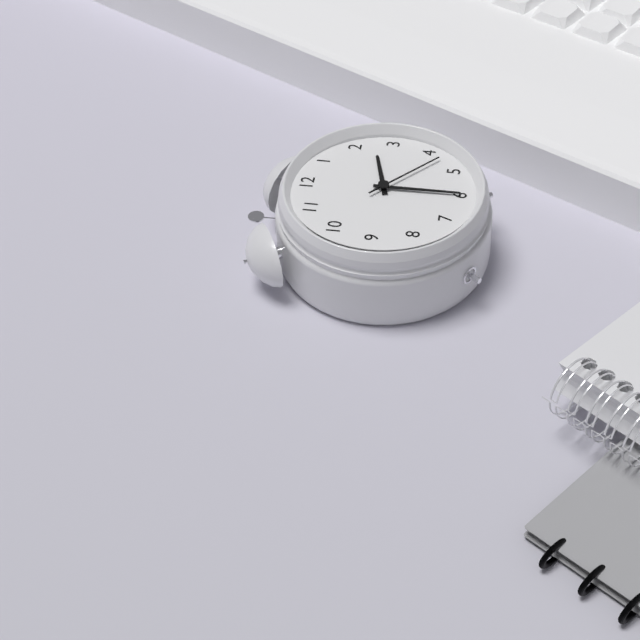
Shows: **2:30:22**
